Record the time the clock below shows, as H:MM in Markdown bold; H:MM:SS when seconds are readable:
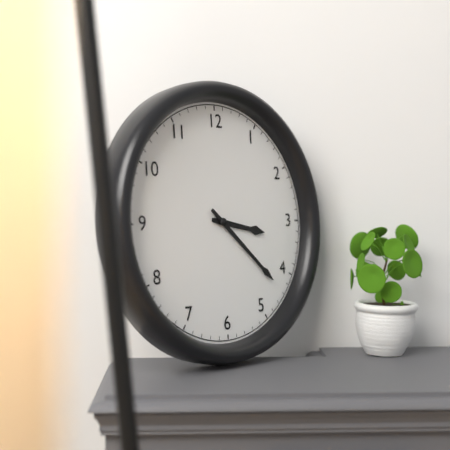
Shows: **3:22**
